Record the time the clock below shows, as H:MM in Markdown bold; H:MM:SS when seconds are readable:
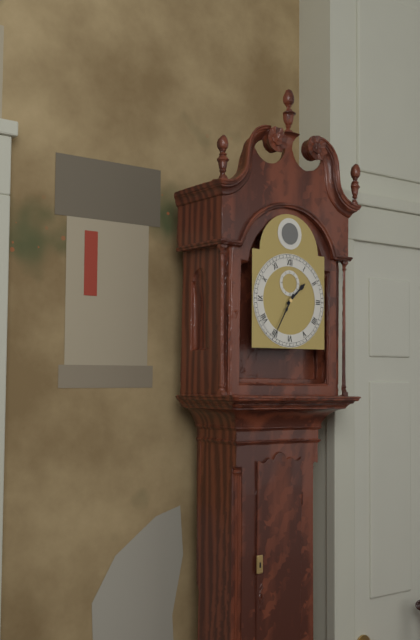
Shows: **1:35**
